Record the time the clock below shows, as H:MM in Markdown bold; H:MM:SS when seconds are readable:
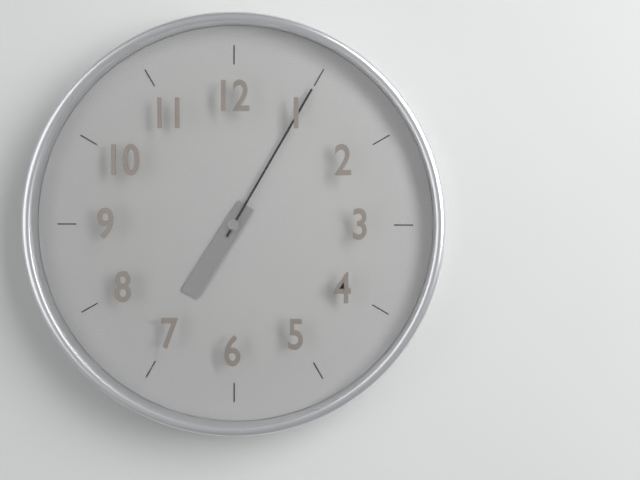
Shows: **7:05**
